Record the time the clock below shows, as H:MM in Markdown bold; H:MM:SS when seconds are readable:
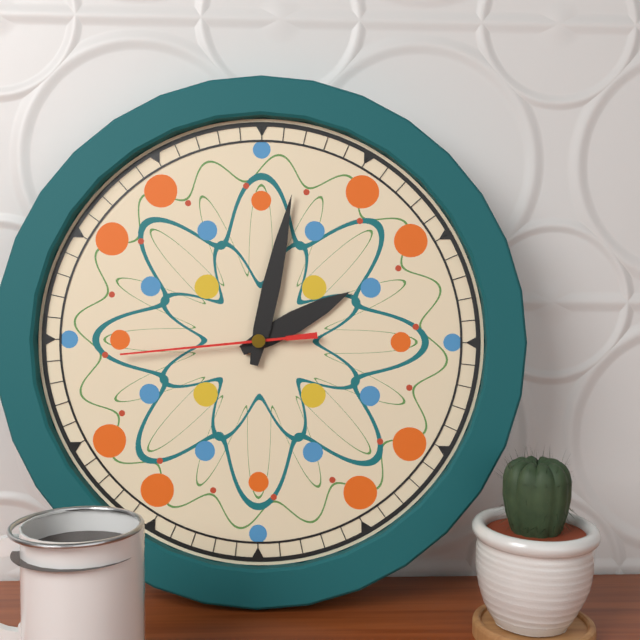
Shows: **2:02:44**
